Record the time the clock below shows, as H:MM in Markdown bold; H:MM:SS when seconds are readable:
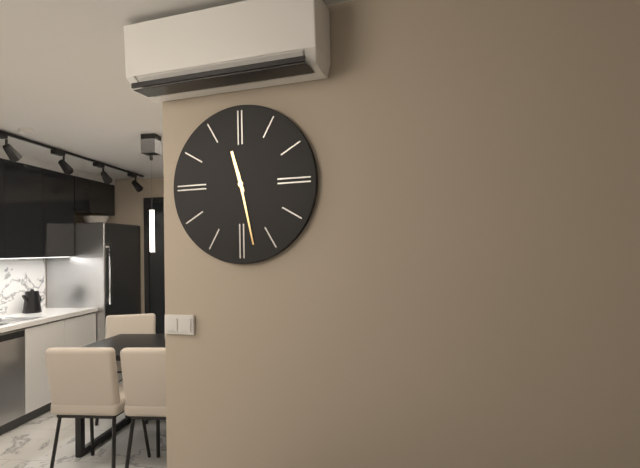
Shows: **11:28**
